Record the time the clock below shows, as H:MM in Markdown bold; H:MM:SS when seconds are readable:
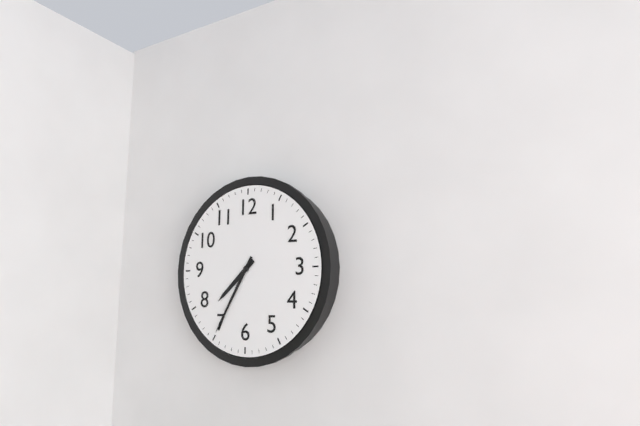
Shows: **7:35**
